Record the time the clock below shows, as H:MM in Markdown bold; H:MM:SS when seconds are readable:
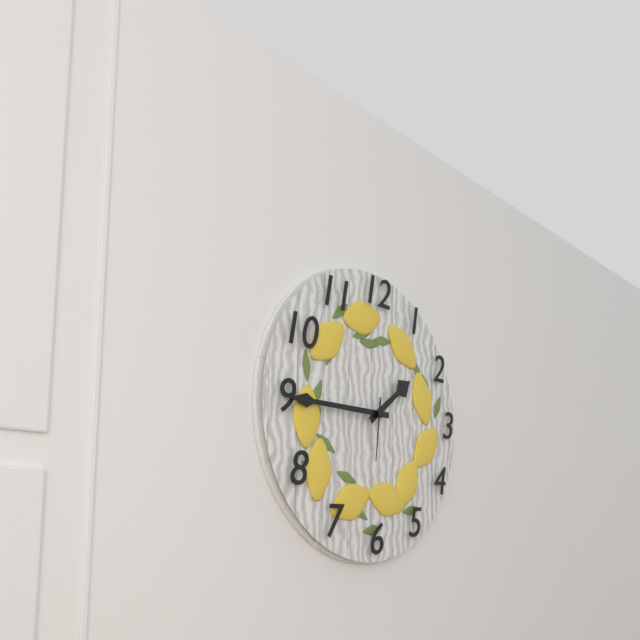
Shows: **1:45:31**
